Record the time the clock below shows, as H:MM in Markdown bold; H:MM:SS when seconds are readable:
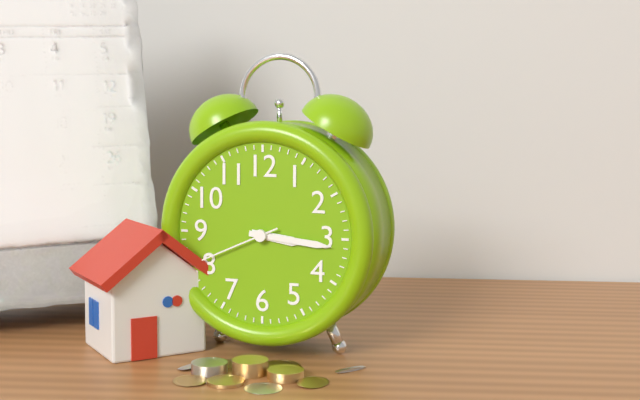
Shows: **3:16:41**
